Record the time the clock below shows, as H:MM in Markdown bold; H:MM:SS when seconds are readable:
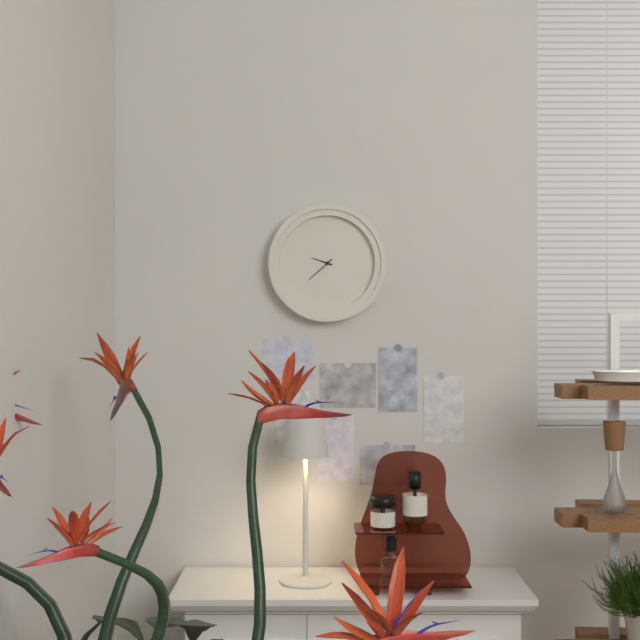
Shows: **9:38**
